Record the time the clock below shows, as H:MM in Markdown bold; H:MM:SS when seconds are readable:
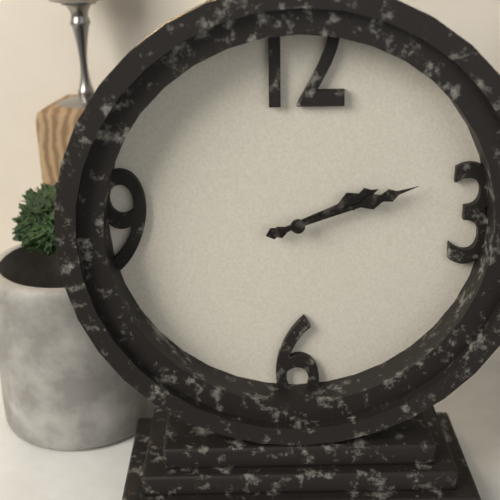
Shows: **2:12**
